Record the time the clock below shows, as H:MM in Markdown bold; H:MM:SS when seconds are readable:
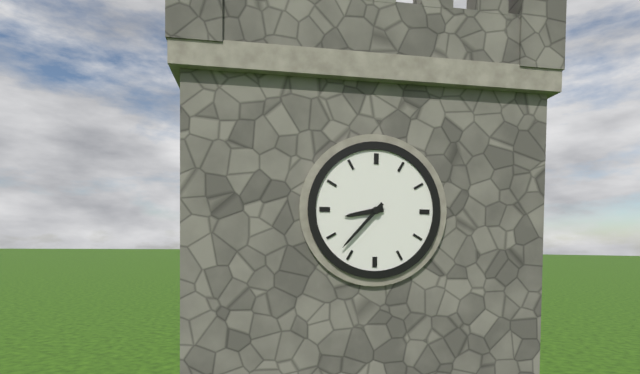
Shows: **8:37**
